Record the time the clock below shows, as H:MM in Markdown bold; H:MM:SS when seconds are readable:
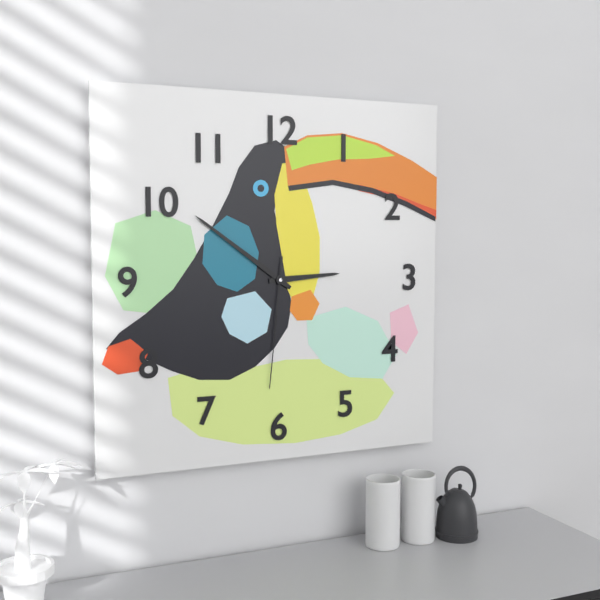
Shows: **2:51:31**
